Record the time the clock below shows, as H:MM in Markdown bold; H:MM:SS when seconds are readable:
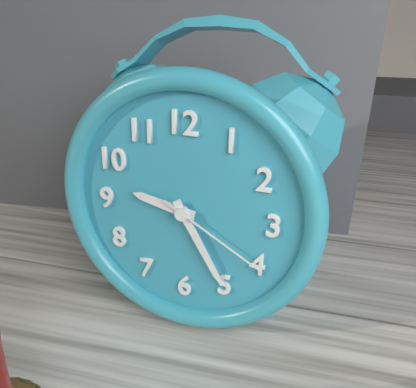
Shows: **9:25:20**
